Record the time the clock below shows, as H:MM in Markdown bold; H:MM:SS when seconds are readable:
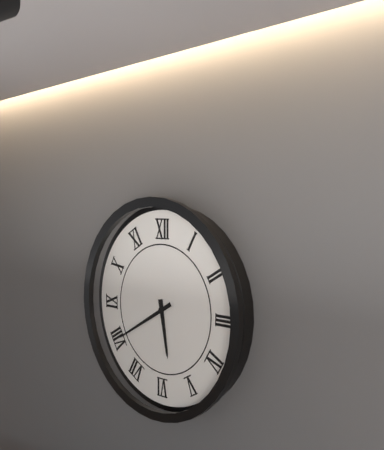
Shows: **5:40**
